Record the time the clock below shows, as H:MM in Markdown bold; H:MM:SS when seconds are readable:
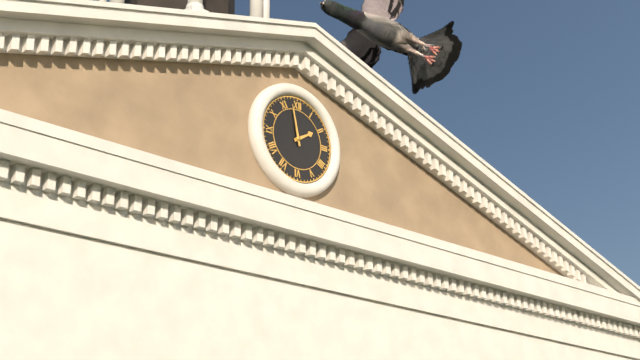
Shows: **1:58**
